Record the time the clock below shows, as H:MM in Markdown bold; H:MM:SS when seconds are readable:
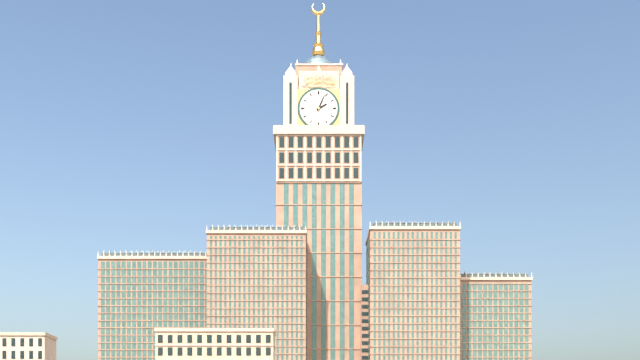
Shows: **2:04**
